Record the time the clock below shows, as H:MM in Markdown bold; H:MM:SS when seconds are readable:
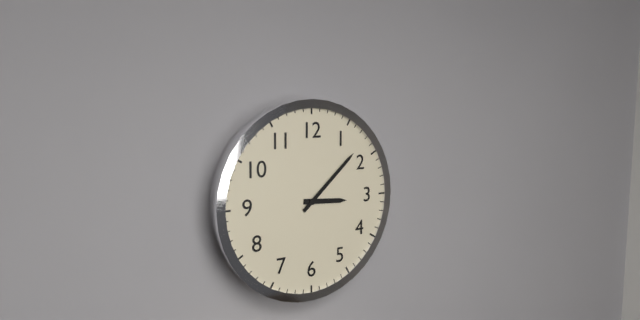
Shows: **3:08**
